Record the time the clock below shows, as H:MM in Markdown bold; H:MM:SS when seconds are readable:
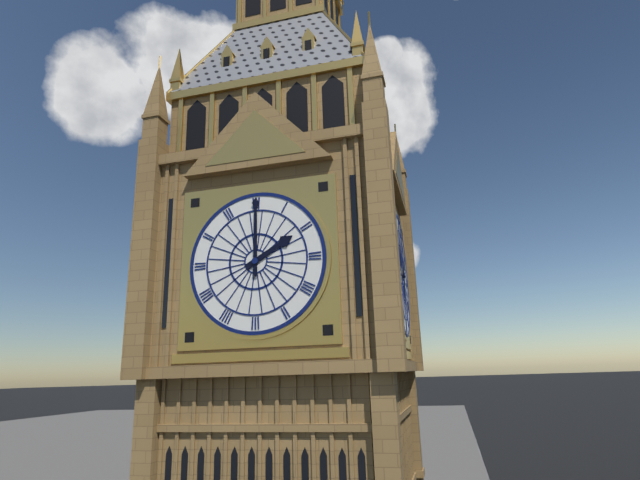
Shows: **2:00**
